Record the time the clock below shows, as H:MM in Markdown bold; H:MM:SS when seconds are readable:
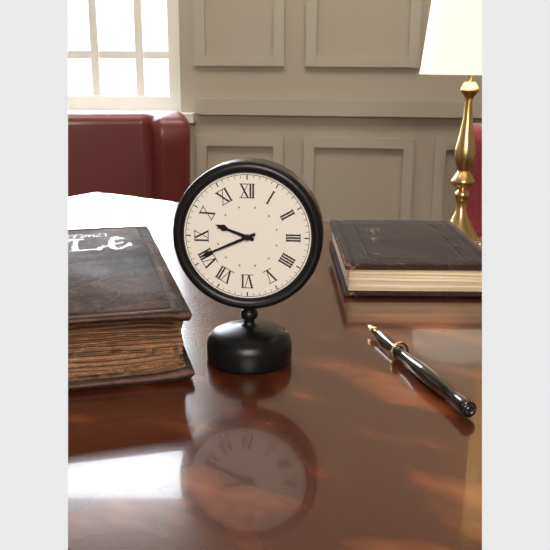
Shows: **9:41**
